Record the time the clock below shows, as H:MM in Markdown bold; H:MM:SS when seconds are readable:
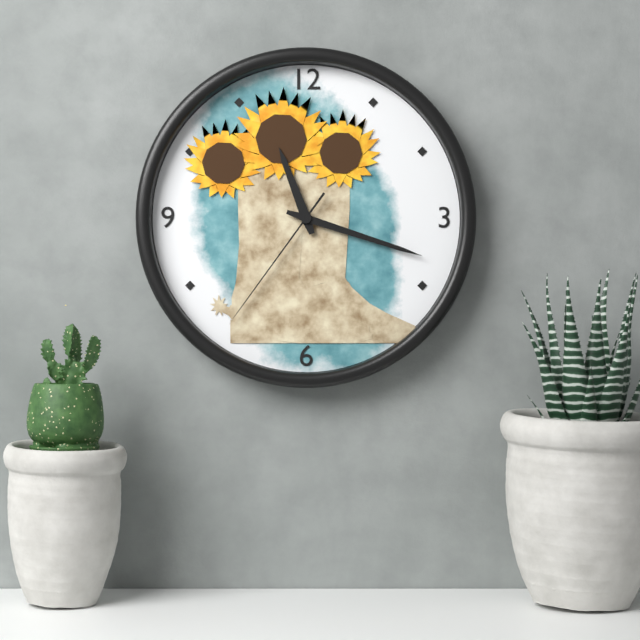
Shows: **11:18:36**
